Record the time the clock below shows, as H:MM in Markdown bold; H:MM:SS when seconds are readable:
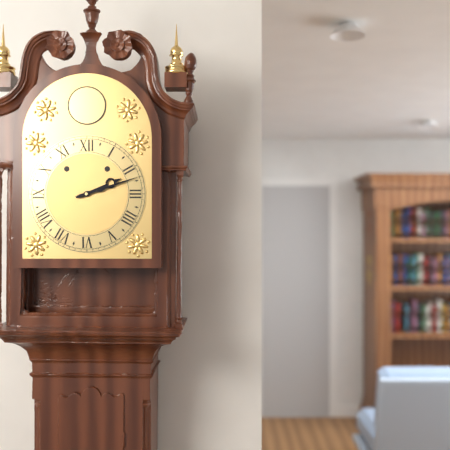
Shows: **2:12**
